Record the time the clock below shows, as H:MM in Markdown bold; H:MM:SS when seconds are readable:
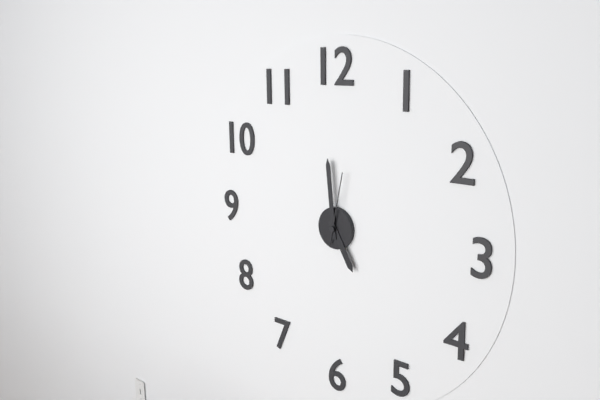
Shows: **4:59:02**
